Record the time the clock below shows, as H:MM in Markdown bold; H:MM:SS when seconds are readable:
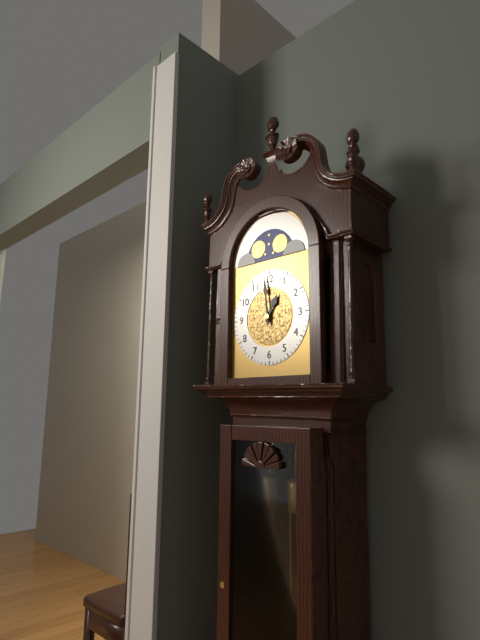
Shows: **12:59**
